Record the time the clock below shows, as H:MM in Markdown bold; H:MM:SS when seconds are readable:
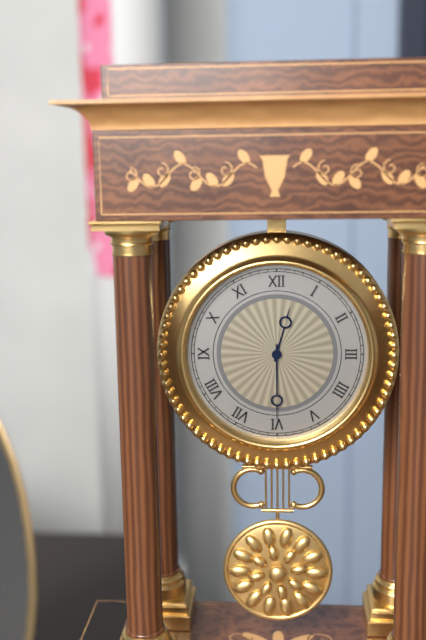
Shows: **12:30**
